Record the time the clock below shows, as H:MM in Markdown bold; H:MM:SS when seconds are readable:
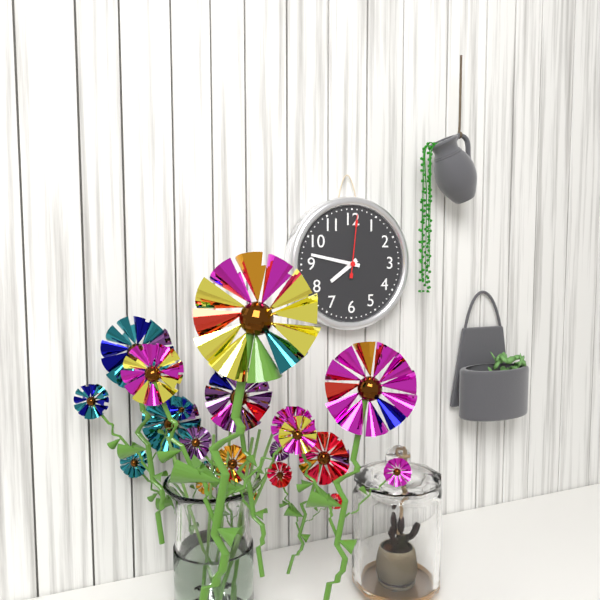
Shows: **7:47:01**
